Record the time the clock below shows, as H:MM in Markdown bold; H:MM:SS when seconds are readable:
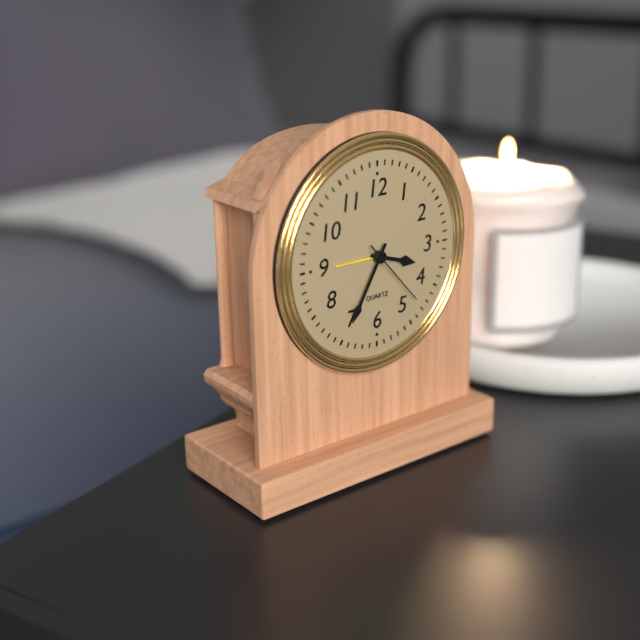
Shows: **3:35:23**
